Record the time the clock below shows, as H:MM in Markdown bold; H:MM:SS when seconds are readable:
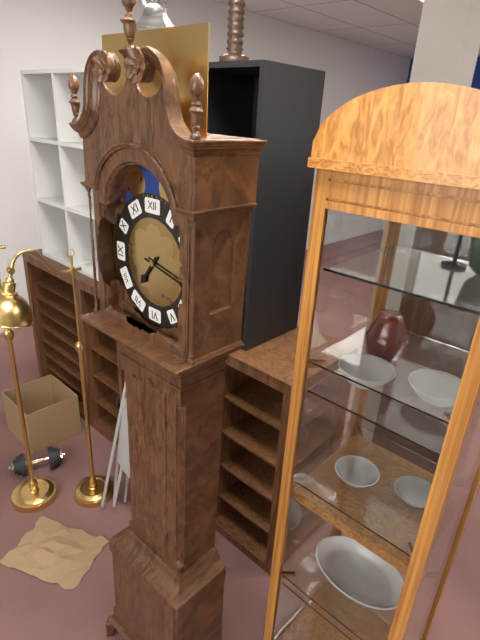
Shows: **7:17**
